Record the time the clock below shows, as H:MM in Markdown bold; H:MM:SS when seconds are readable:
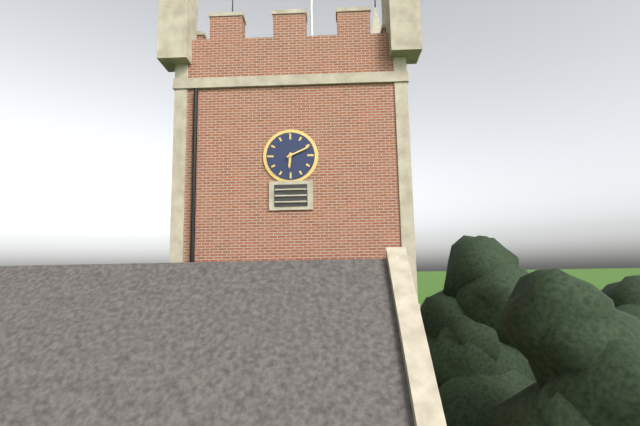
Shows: **6:11**
